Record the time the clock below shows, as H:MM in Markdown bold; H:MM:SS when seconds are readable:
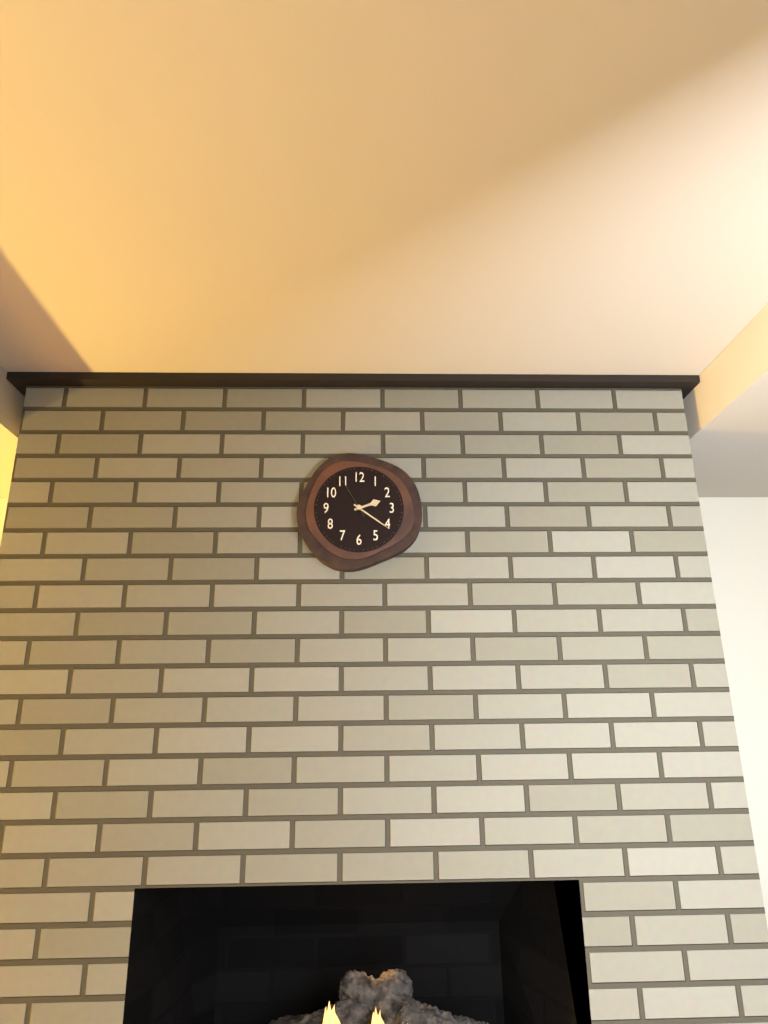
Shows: **2:21**
